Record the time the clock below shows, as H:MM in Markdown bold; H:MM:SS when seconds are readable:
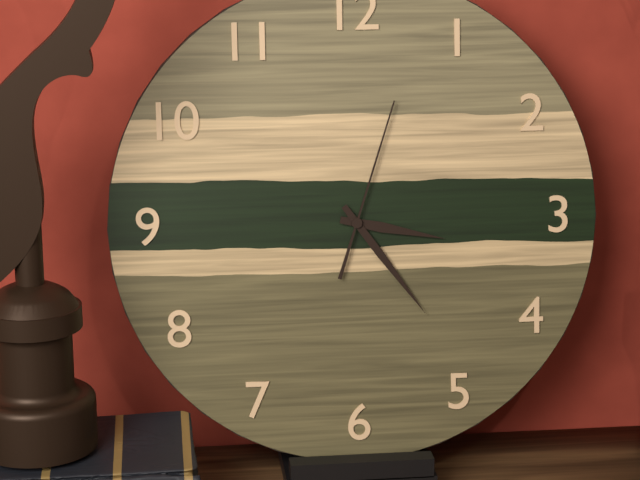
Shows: **3:24:03**
